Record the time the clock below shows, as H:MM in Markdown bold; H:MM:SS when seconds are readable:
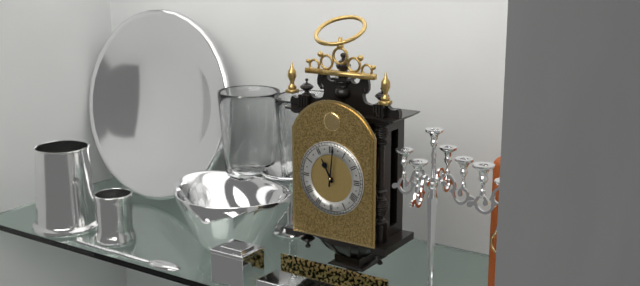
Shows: **11:01**
